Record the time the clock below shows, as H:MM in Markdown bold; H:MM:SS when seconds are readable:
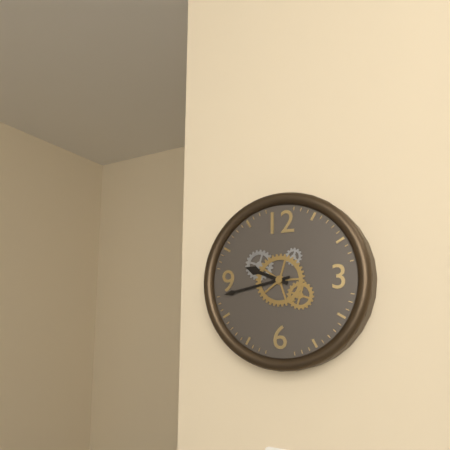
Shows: **9:43**
